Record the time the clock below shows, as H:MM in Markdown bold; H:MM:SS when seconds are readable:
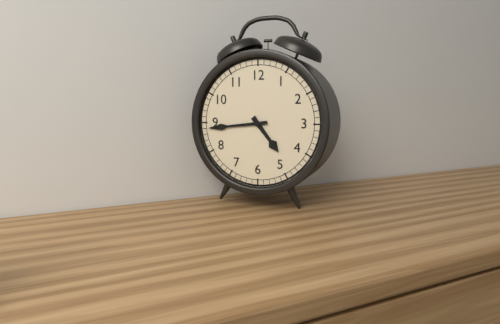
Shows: **4:44**
